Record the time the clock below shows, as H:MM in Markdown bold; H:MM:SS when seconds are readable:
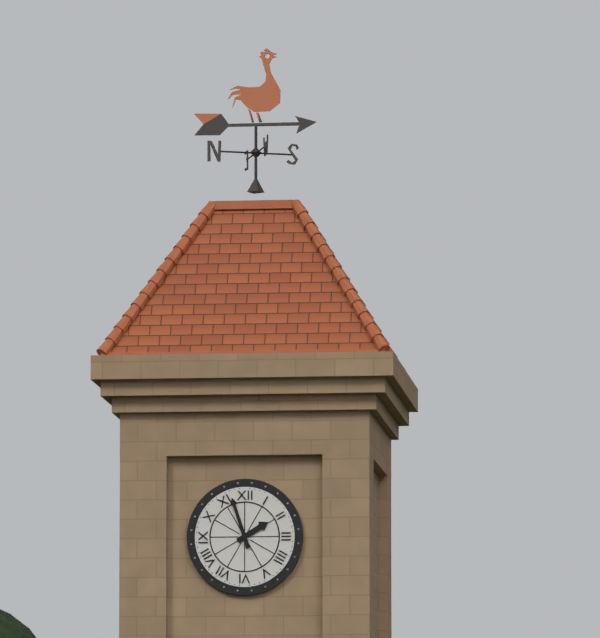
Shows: **1:57**
